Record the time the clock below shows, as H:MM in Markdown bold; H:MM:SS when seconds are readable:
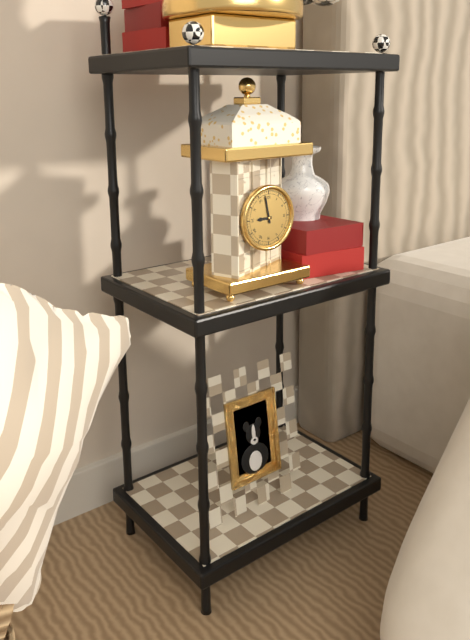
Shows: **8:58**
